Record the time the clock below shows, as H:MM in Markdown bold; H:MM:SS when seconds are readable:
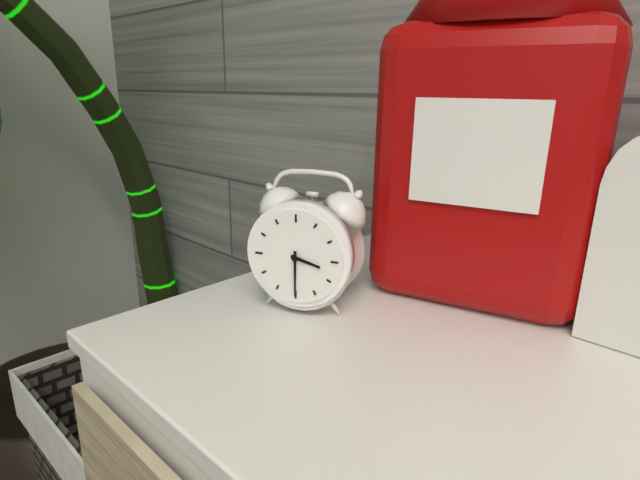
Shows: **3:30**
